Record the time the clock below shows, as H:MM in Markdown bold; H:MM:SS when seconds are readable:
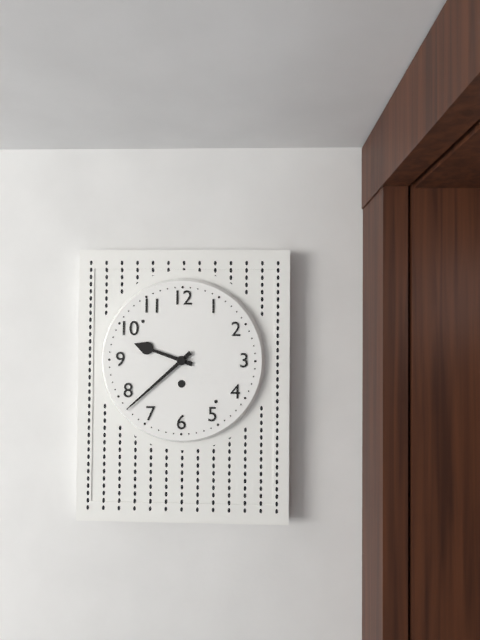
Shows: **9:38**
